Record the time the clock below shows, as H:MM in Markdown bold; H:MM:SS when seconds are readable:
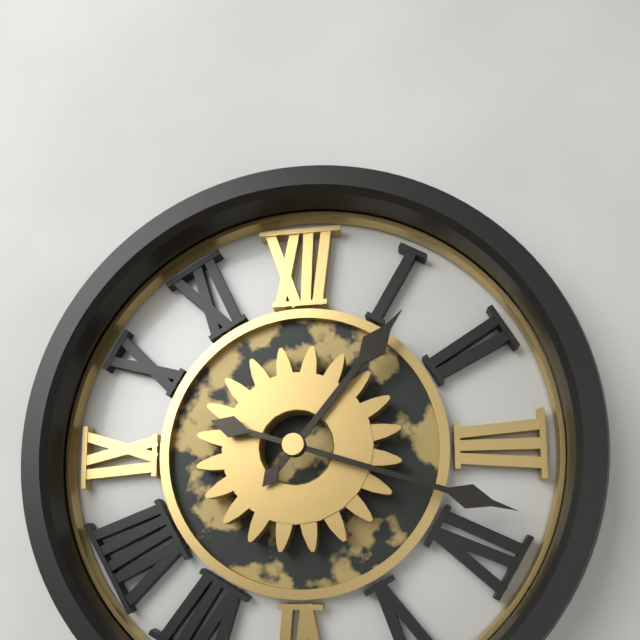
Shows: **1:18**
